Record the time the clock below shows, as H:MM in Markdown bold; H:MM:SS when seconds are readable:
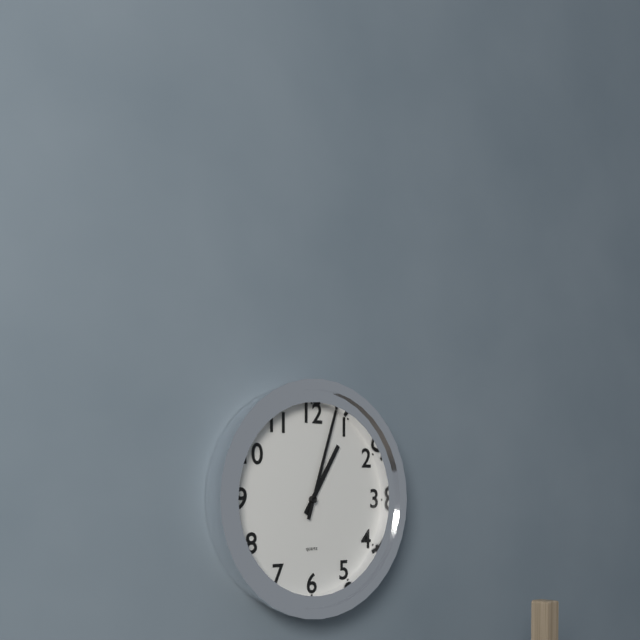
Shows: **1:03**
